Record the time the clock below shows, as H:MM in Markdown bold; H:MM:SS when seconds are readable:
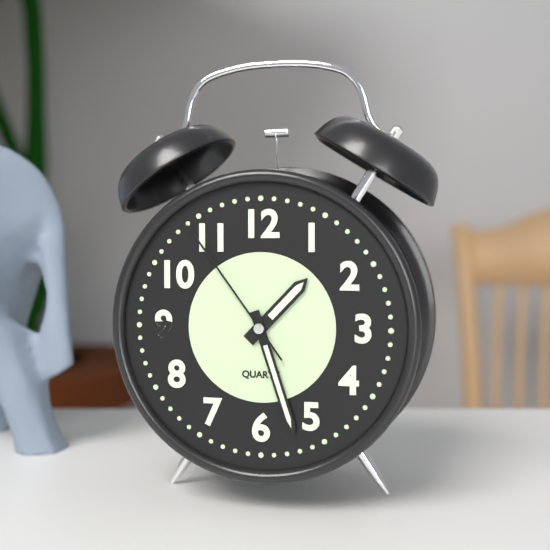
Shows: **1:27:54**
